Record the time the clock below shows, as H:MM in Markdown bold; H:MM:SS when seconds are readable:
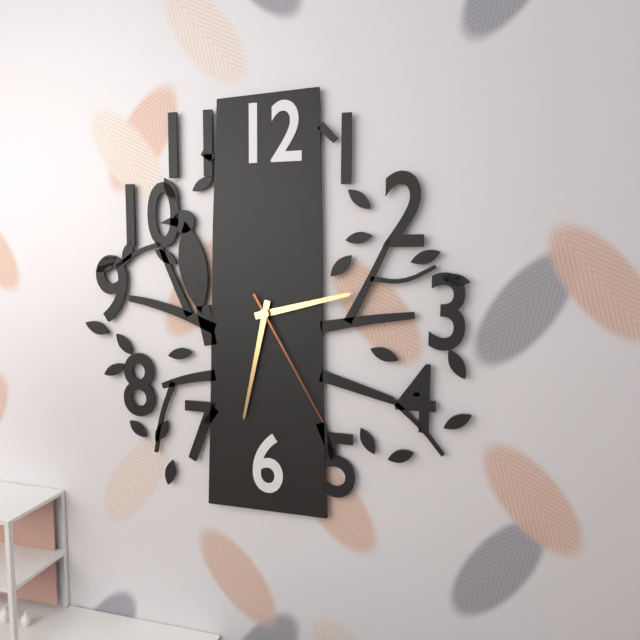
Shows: **2:32:25**
